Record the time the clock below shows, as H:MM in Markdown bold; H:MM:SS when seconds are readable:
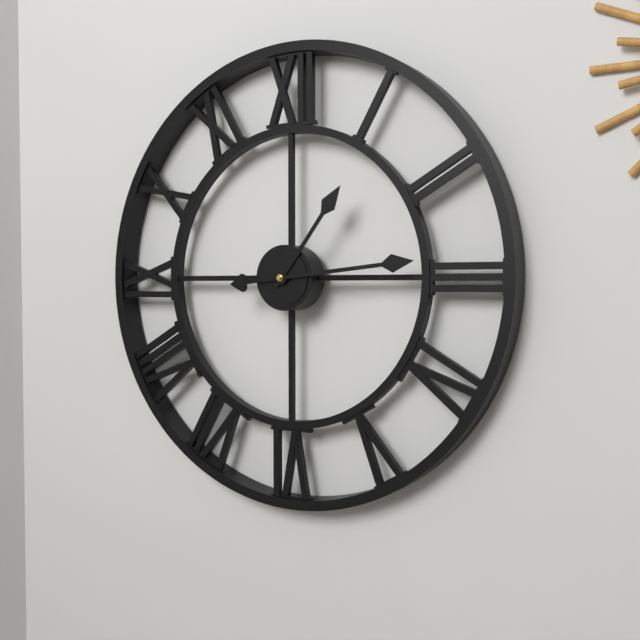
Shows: **1:14**
